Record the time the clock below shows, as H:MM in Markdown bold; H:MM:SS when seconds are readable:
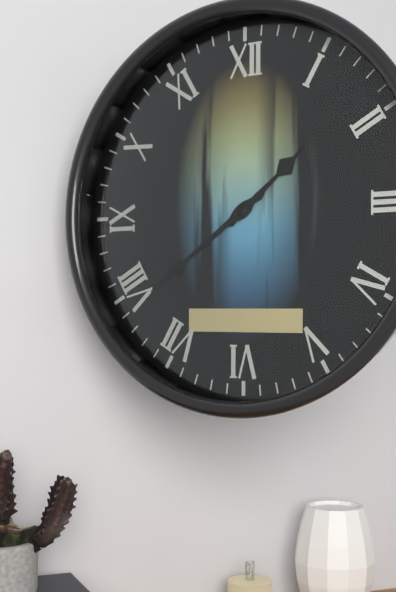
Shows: **1:39**
